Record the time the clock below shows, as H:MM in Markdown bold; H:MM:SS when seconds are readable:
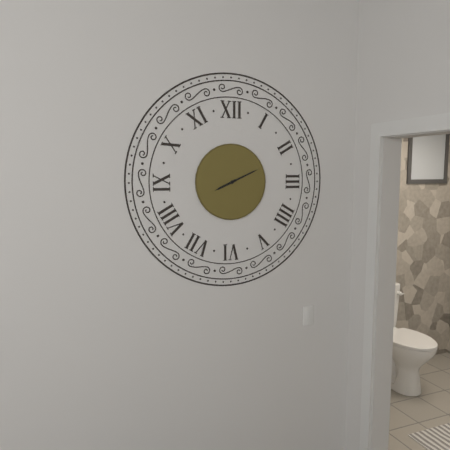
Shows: **8:11**
